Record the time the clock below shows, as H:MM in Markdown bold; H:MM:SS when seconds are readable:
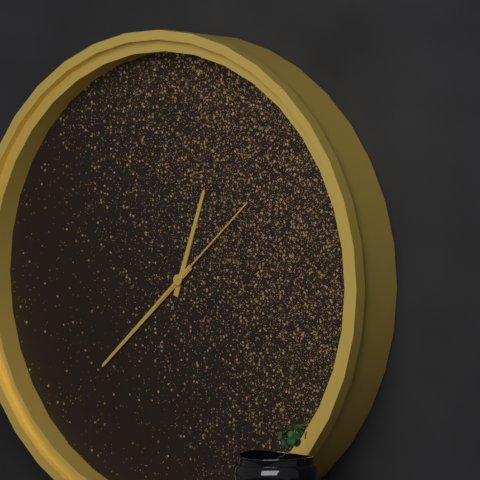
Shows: **12:38:08**
